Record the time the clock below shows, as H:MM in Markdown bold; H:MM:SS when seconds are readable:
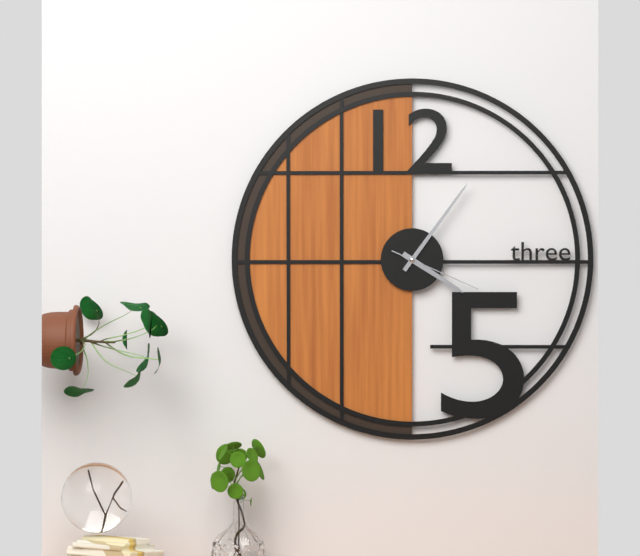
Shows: **4:06:19**
